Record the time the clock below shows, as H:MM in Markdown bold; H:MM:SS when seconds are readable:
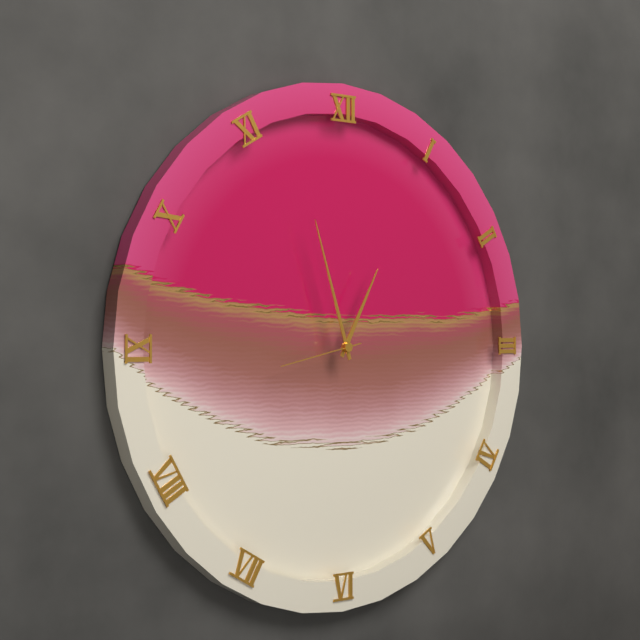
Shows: **12:57:43**
